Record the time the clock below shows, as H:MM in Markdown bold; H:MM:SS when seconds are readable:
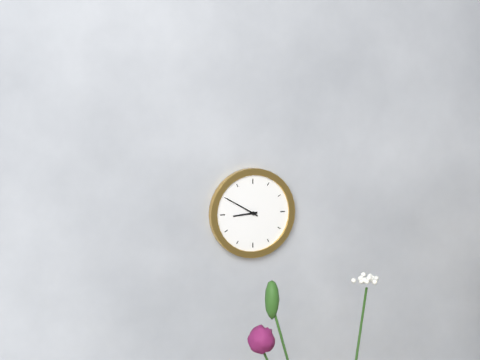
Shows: **8:50**
